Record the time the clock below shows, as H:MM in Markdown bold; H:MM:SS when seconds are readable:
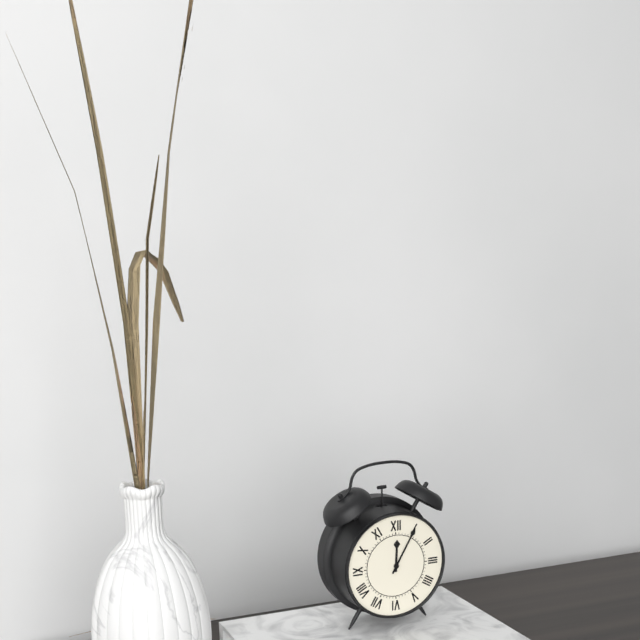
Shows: **12:05**
